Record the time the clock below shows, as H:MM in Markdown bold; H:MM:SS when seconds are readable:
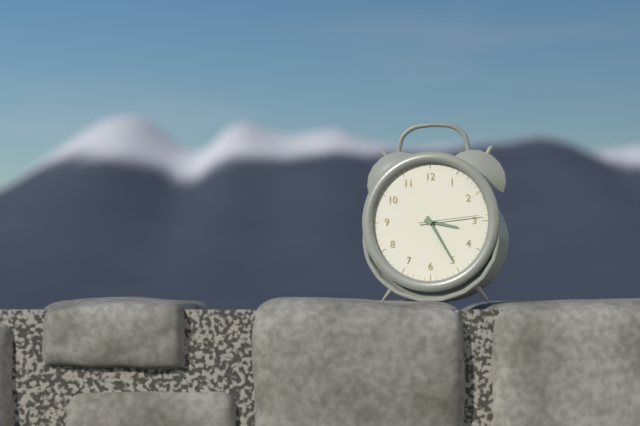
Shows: **3:25:14**
